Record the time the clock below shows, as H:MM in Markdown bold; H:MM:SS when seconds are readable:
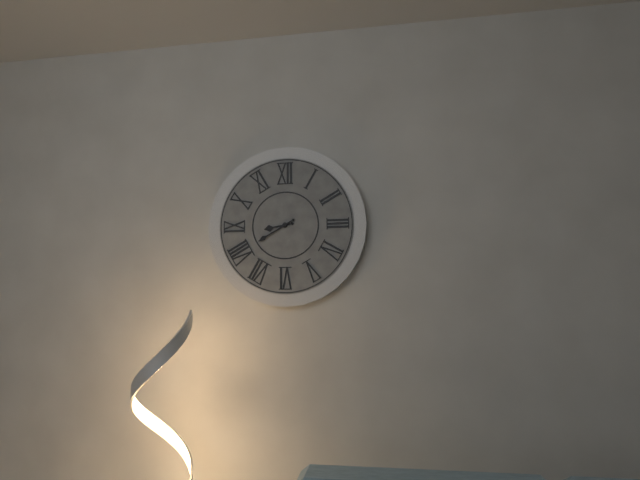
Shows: **8:40**
